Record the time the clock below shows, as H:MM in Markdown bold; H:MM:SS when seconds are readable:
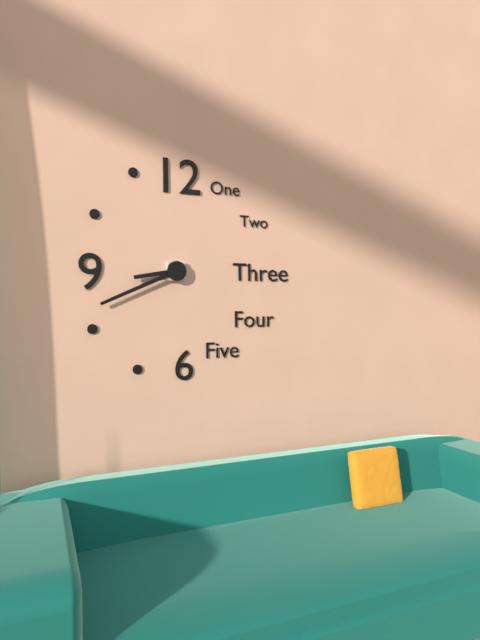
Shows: **8:41**
